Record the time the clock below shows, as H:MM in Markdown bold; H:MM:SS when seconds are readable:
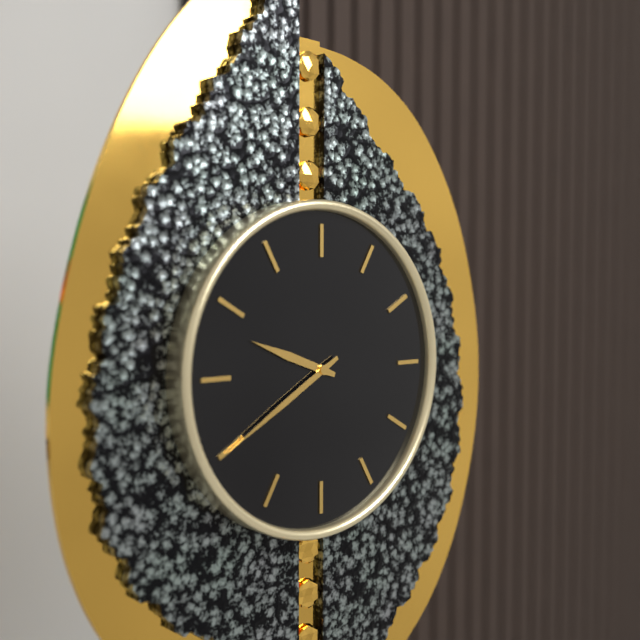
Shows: **9:40**
